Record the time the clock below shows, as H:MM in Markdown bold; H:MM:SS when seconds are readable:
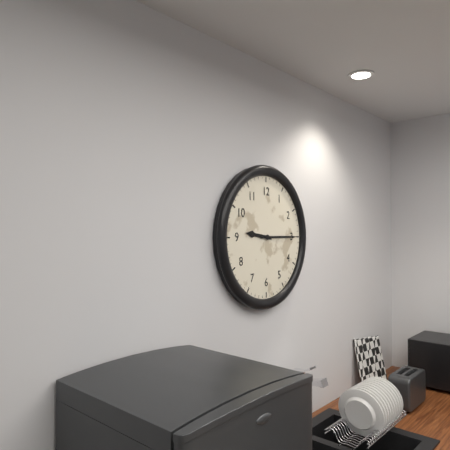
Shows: **9:15**
